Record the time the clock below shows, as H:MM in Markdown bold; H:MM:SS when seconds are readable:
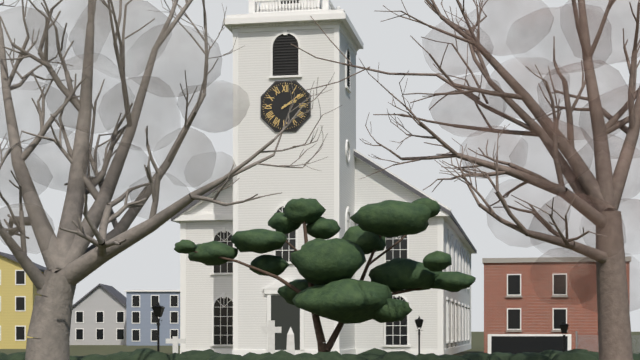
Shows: **2:09**
